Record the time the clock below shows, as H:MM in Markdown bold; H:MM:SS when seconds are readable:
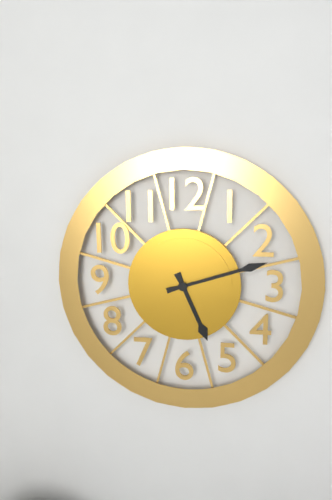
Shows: **5:12**
